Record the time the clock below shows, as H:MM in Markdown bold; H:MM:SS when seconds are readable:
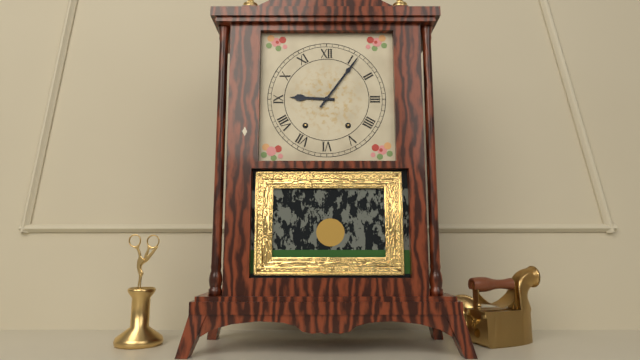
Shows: **9:06**
